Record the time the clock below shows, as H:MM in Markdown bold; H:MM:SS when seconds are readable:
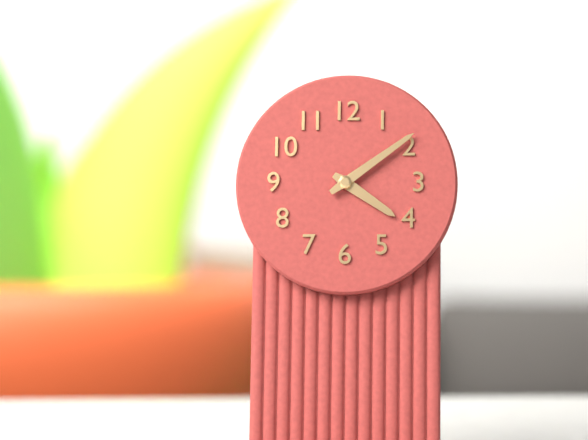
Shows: **4:09**
